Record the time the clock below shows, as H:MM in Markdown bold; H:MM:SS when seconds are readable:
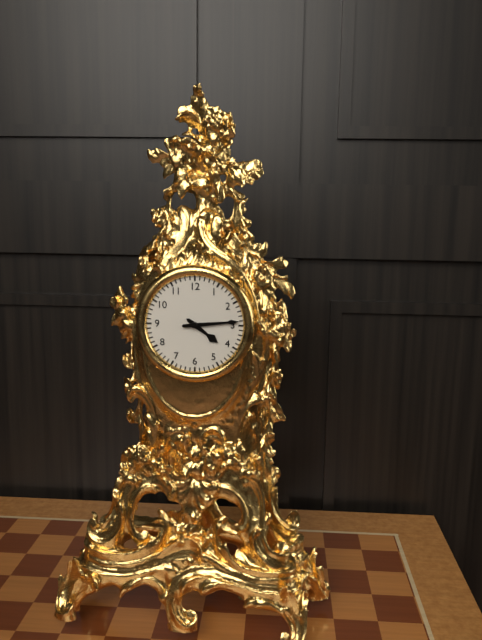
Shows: **4:14**
